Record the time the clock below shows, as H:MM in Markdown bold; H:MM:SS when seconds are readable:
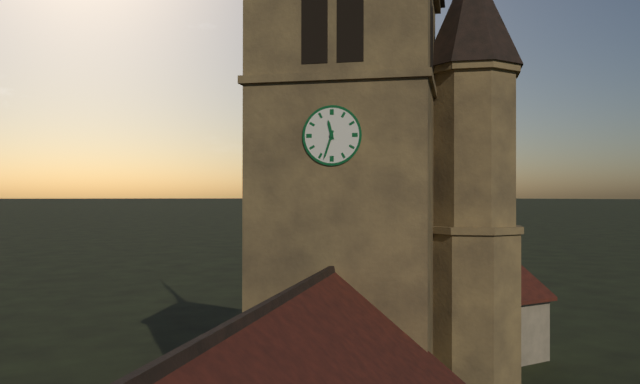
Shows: **11:33**
